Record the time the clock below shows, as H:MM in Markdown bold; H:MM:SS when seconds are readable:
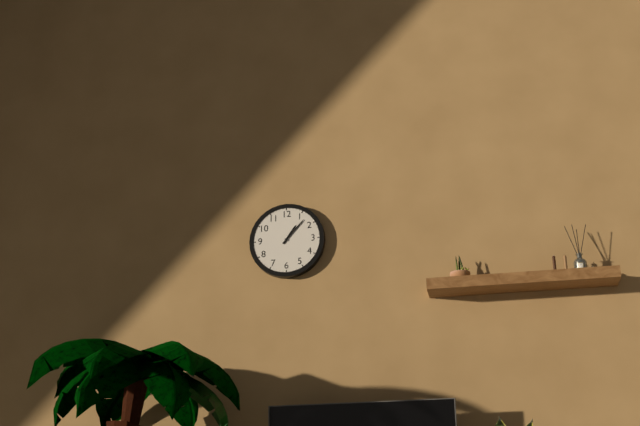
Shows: **1:07**
